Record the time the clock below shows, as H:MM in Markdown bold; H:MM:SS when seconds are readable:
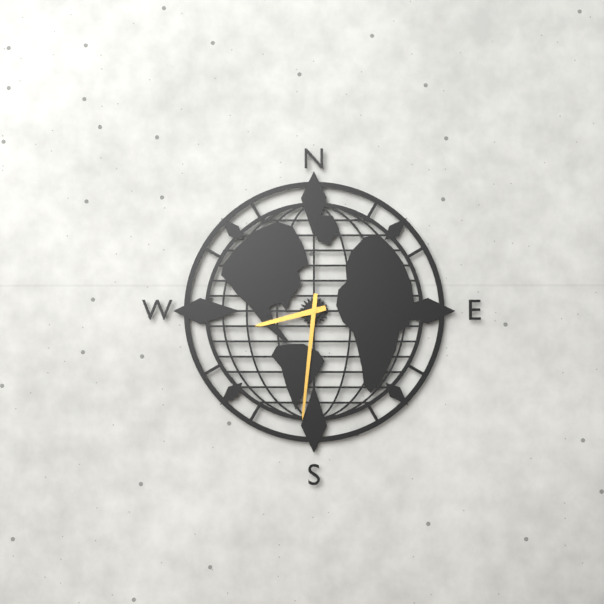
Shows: **8:31**
